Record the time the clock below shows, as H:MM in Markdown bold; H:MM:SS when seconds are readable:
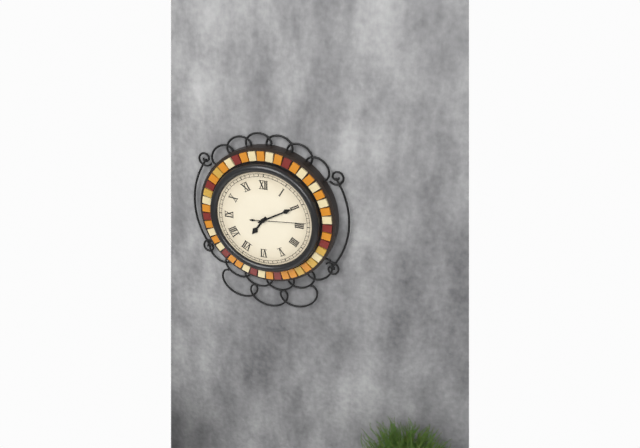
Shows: **7:10**
